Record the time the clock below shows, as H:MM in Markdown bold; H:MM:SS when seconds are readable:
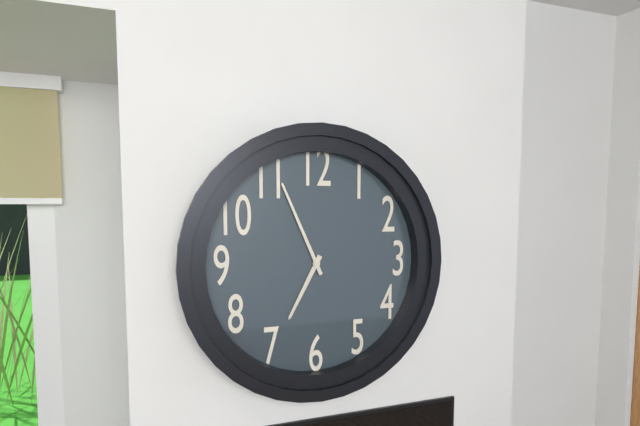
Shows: **6:56**
